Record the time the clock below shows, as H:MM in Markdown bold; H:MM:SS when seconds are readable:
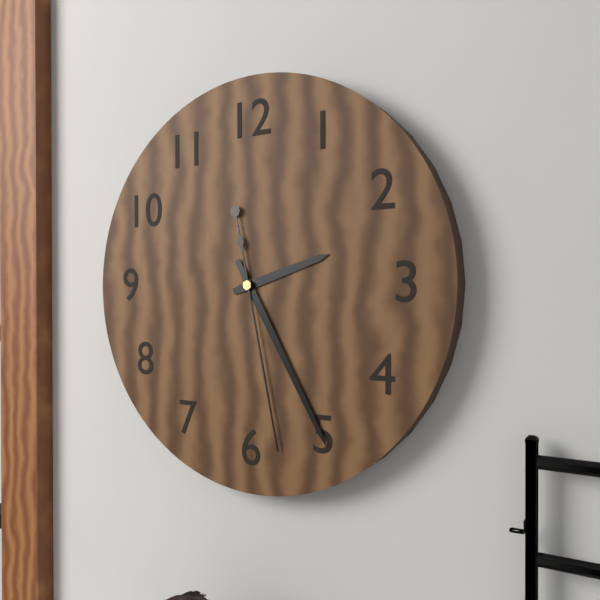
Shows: **2:25:28**
